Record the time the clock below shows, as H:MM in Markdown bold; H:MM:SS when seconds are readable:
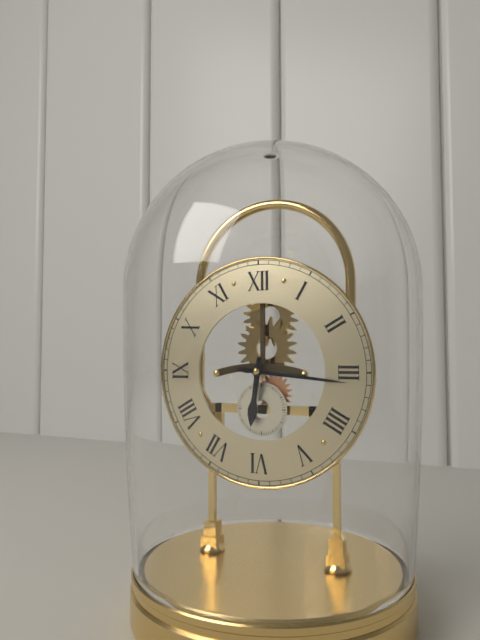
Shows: **6:16**
